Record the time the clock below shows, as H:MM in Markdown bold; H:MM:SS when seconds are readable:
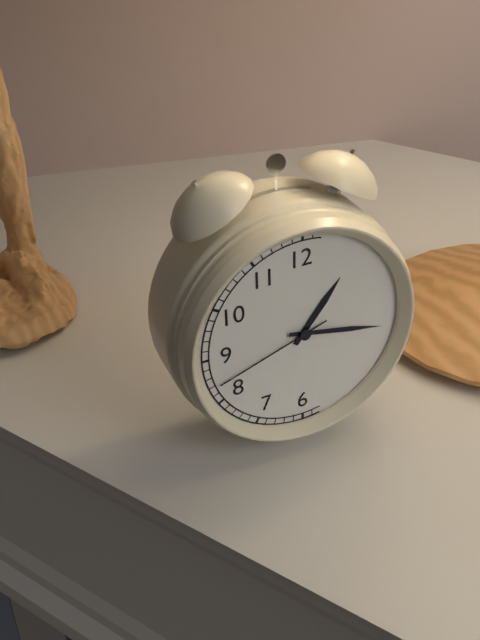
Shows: **1:17:42**
